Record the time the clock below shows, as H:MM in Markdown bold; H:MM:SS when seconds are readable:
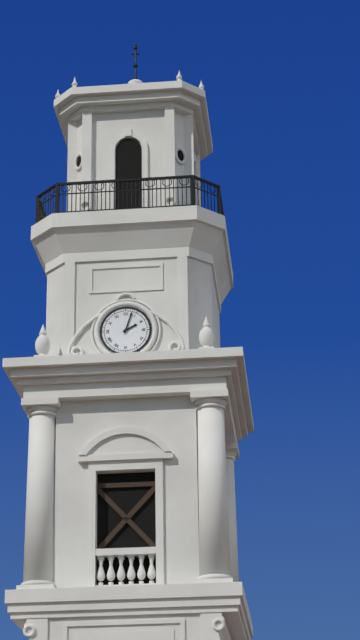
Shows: **2:03**
